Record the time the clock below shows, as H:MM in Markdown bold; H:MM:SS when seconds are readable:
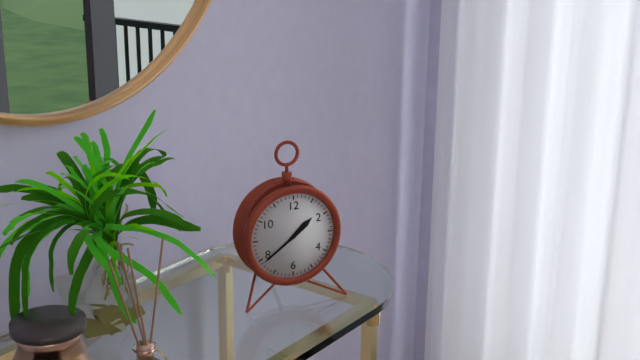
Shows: **1:39**
